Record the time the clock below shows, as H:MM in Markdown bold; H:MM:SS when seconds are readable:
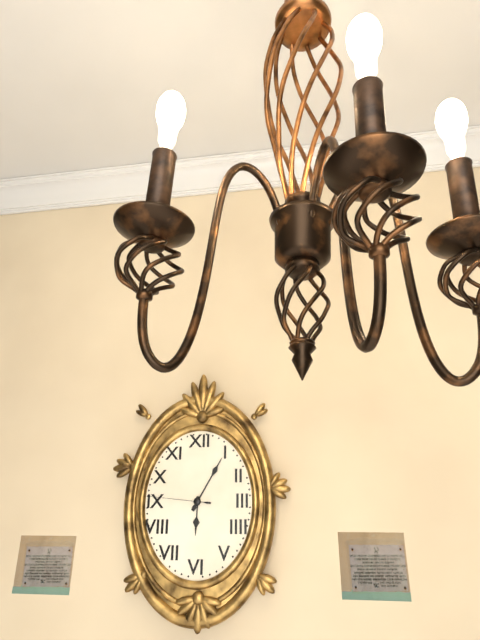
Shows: **6:05:46**
